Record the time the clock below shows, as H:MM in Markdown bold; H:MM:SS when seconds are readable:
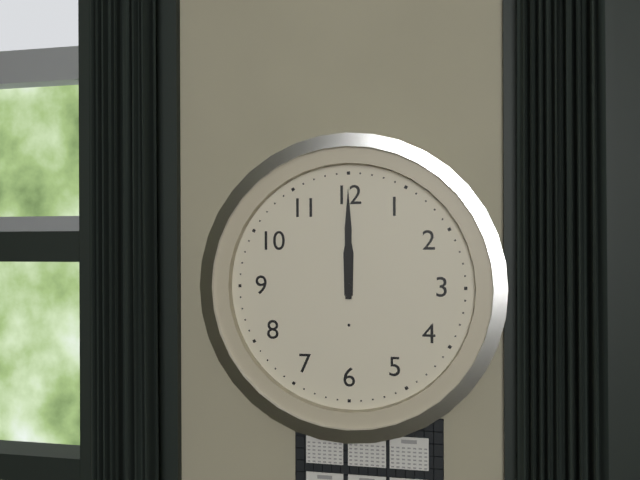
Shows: **12:00**
